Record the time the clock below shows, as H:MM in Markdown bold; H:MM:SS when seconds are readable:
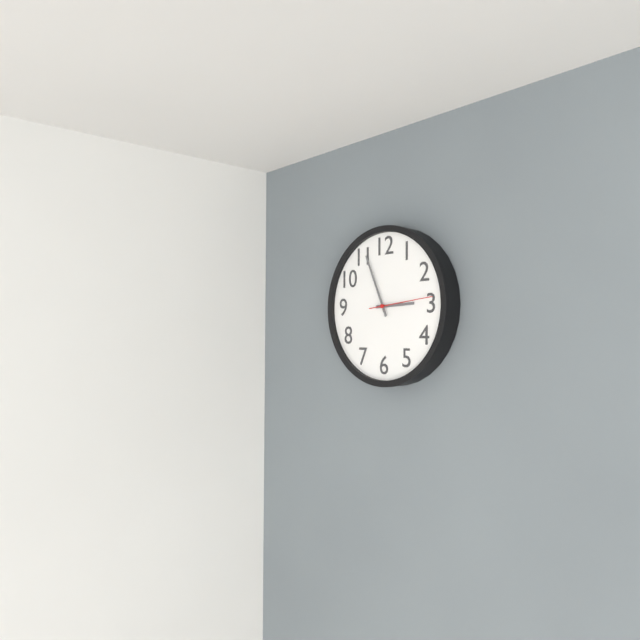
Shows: **2:56:14**
